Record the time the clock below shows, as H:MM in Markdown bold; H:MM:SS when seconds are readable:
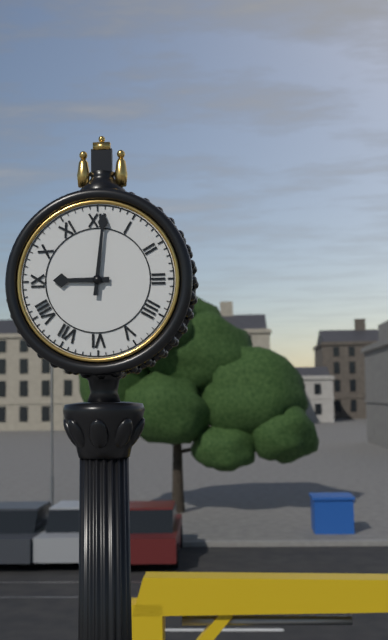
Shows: **9:01**
